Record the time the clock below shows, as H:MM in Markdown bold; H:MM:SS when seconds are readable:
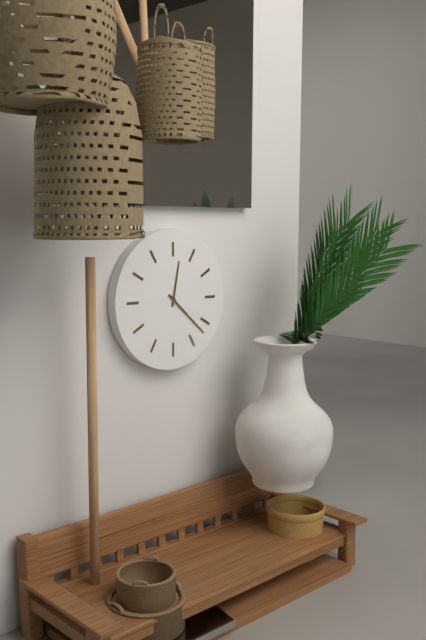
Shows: **12:22**
